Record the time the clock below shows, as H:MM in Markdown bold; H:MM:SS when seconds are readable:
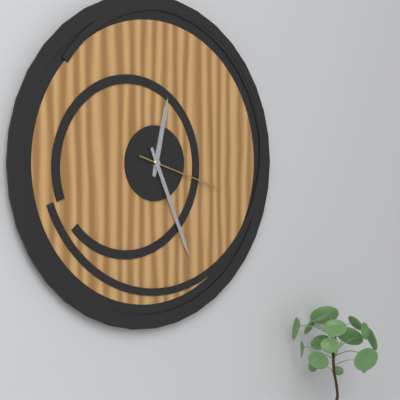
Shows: **12:26:18**
